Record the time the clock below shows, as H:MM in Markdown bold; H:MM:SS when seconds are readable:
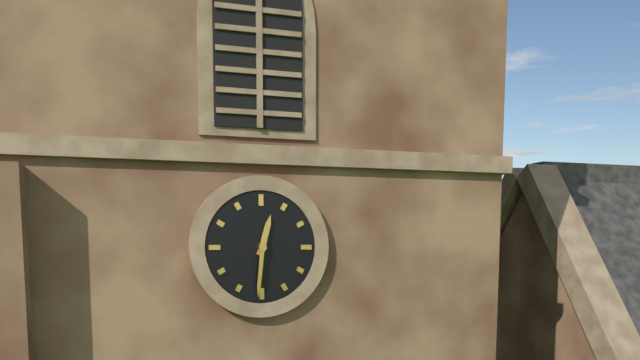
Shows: **12:31**
